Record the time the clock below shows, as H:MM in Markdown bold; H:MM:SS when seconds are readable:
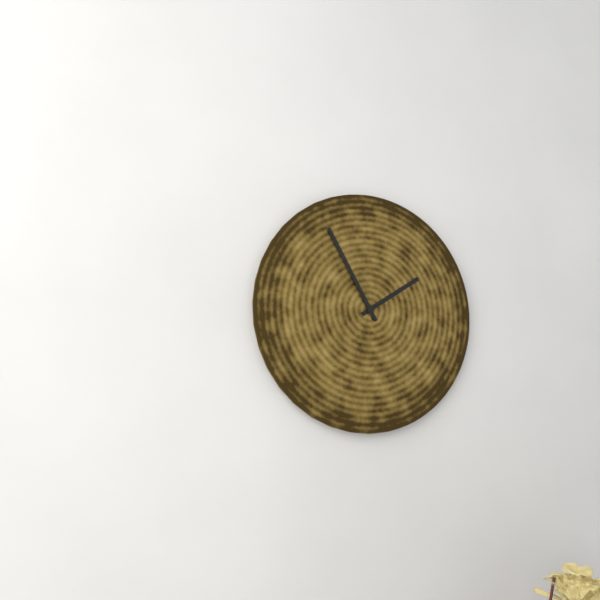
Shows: **1:55**
